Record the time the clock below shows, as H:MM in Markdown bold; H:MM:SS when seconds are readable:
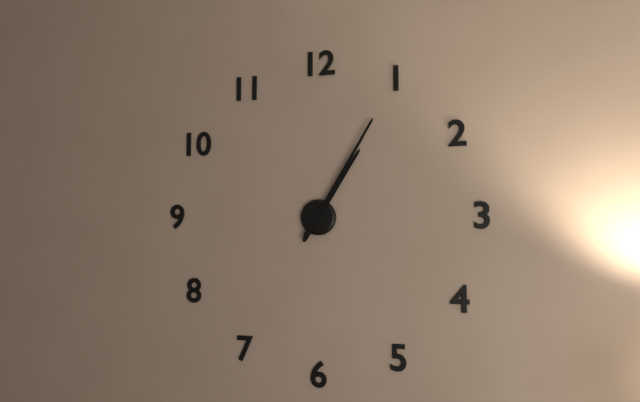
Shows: **1:05**
